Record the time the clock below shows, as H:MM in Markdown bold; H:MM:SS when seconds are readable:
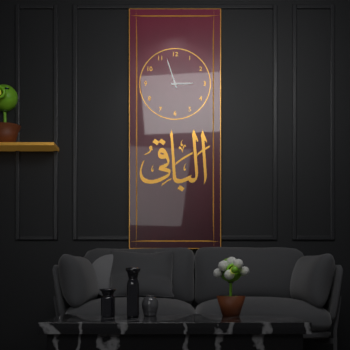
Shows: **2:57**
